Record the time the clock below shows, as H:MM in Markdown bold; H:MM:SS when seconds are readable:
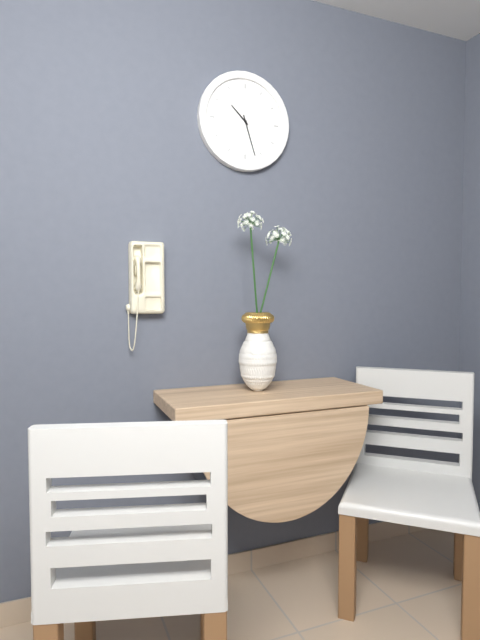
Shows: **10:27**
